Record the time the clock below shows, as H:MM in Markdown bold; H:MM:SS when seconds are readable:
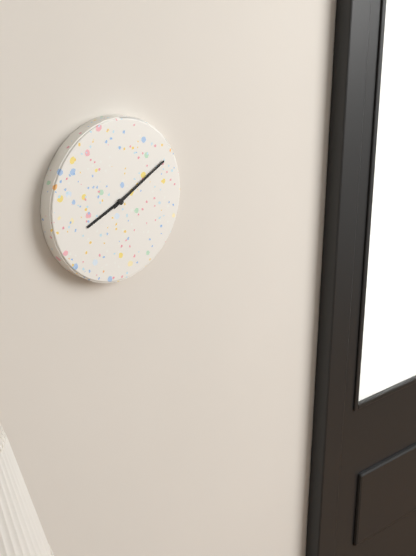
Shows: **8:10**
